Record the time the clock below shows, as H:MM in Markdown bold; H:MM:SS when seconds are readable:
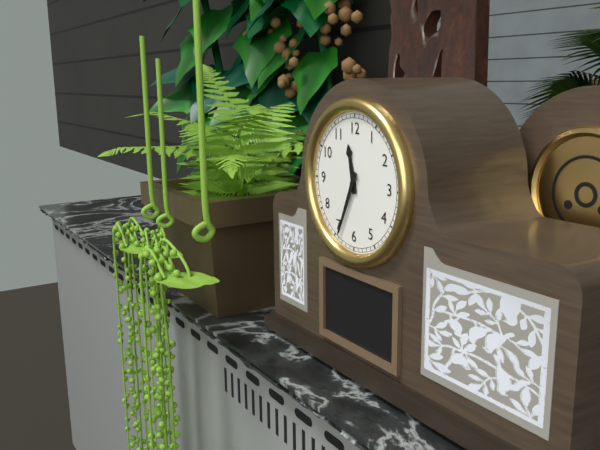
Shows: **11:34**
